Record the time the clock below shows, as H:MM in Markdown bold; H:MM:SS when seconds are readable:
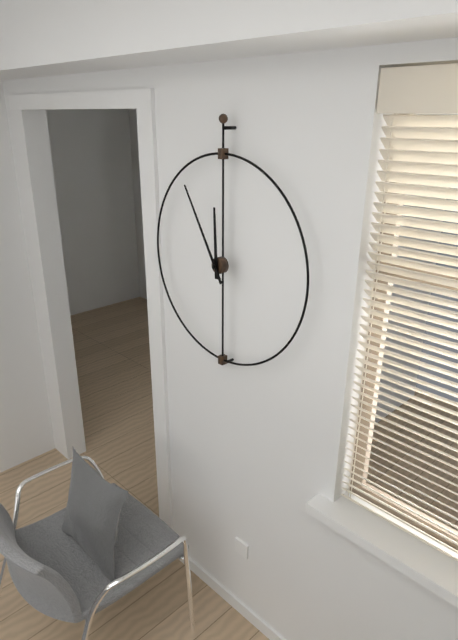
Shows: **11:55**
